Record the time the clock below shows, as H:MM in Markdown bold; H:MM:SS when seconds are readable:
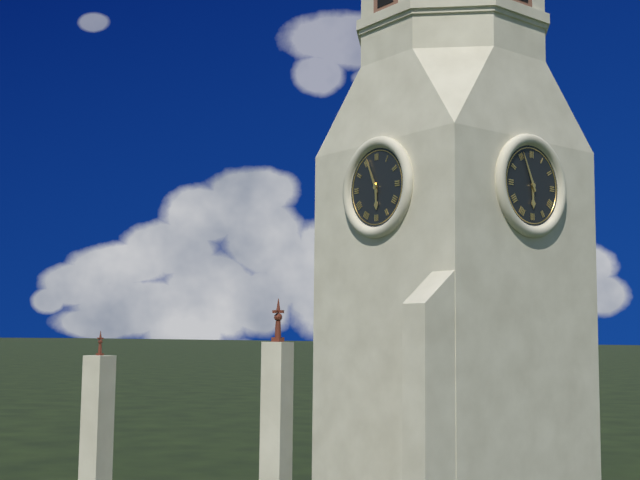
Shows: **5:56**
